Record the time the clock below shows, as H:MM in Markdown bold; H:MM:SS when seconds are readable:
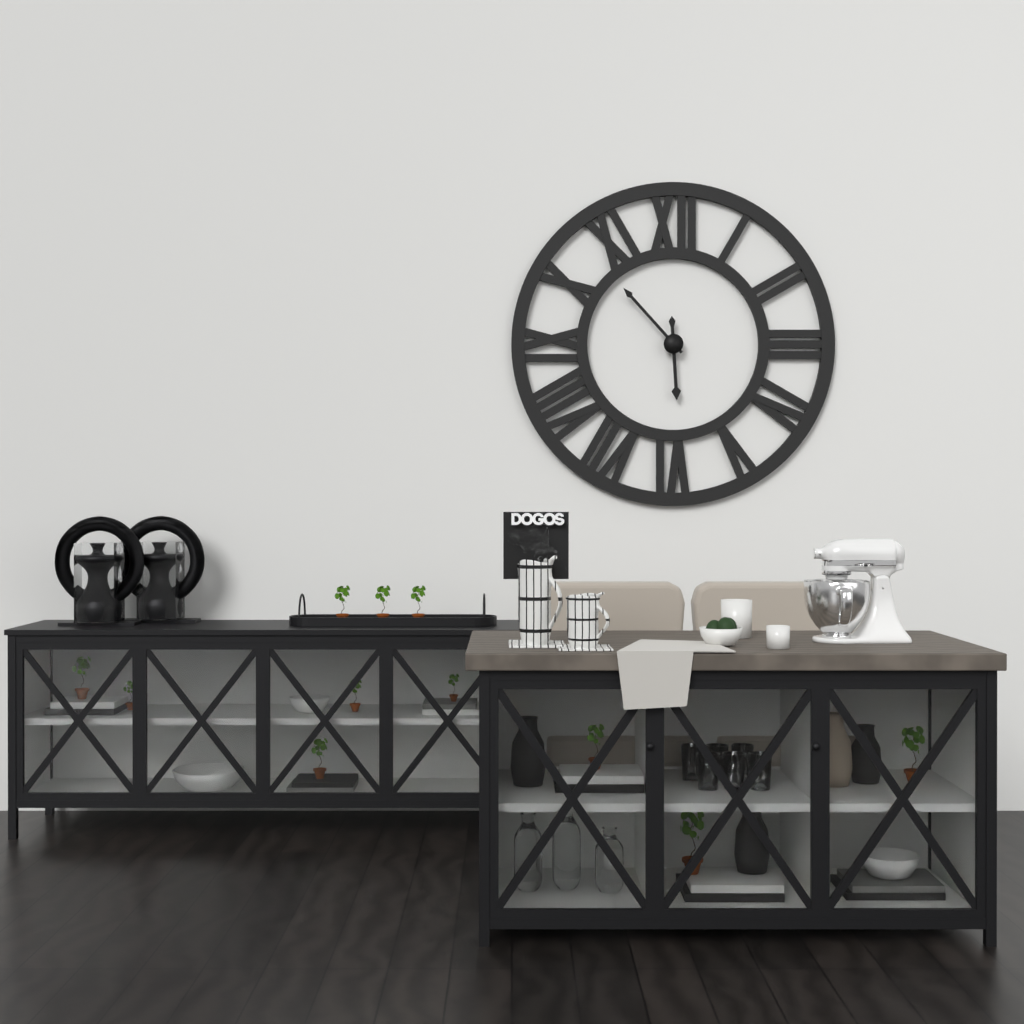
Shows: **5:53**
